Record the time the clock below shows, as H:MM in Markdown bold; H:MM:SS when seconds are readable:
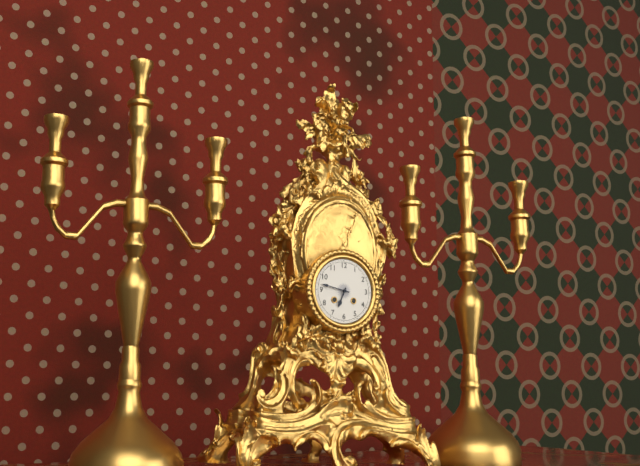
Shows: **6:47**
